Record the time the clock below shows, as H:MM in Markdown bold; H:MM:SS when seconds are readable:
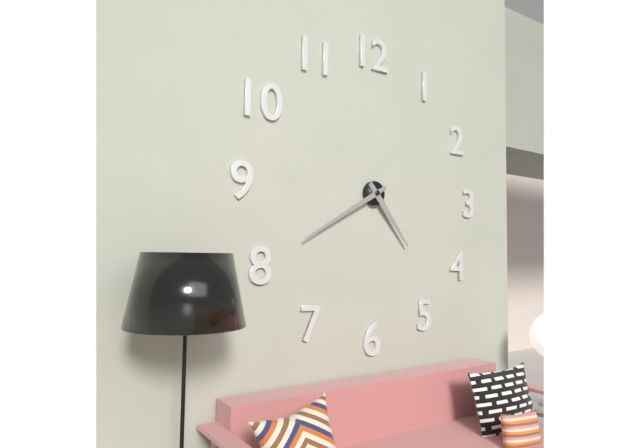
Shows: **4:40**
